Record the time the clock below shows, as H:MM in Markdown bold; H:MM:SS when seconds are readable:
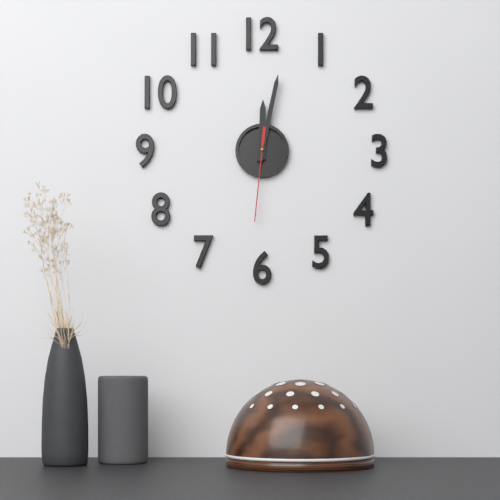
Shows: **12:02:31**
